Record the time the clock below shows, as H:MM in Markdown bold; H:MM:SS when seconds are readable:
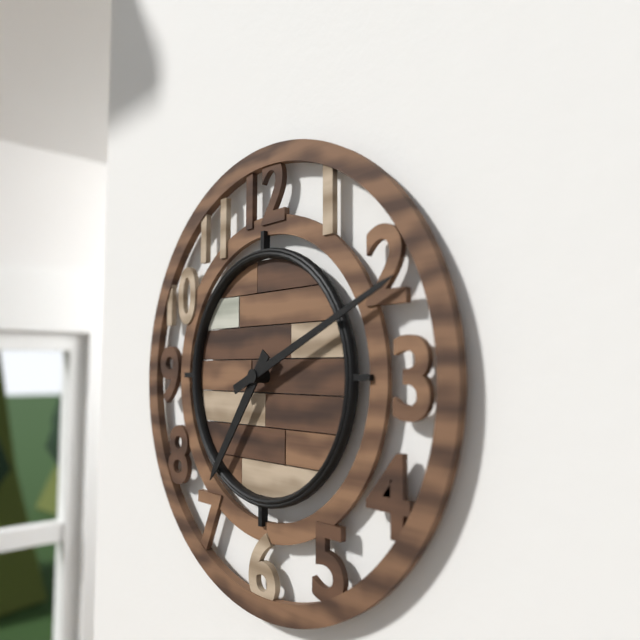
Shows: **7:11**
